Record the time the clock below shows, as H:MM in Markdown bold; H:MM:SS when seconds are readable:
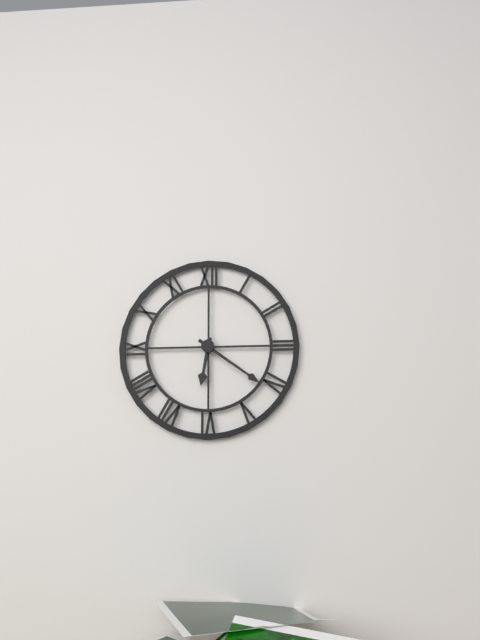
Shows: **6:21**
